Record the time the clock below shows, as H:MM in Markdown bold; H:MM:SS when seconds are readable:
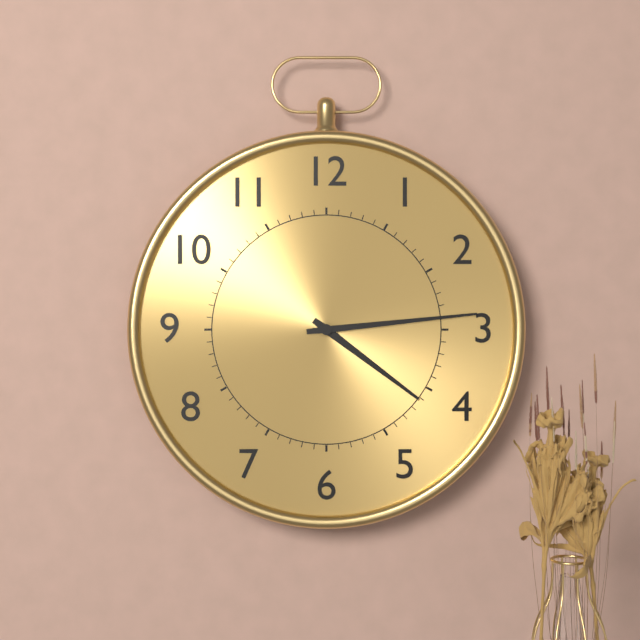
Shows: **4:14**
